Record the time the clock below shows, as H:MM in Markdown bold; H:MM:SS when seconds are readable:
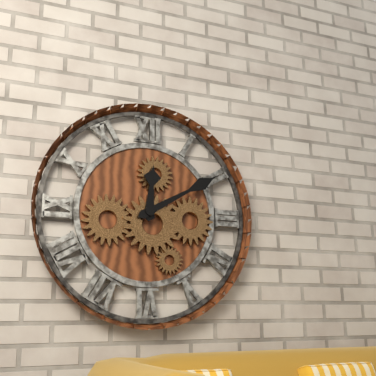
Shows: **12:10**
